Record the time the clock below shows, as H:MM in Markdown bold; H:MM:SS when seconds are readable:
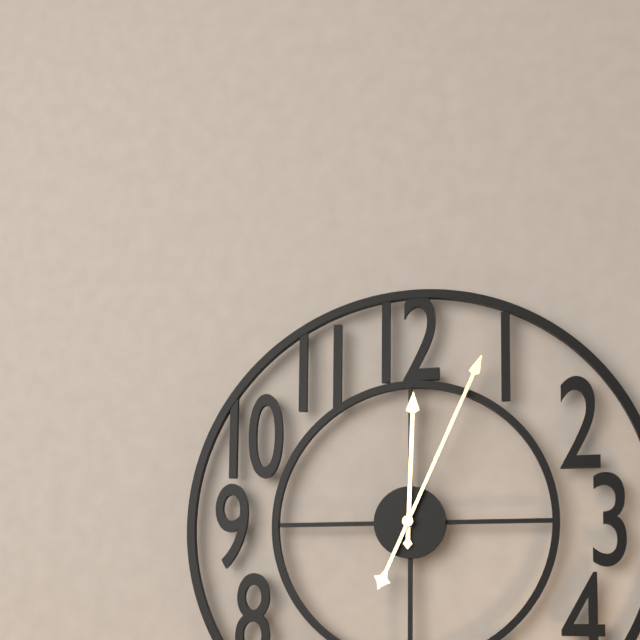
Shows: **12:04**
